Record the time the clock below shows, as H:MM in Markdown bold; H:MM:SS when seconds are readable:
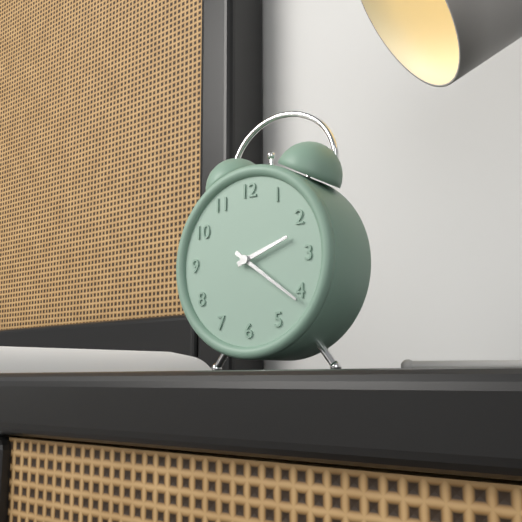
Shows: **2:21**
